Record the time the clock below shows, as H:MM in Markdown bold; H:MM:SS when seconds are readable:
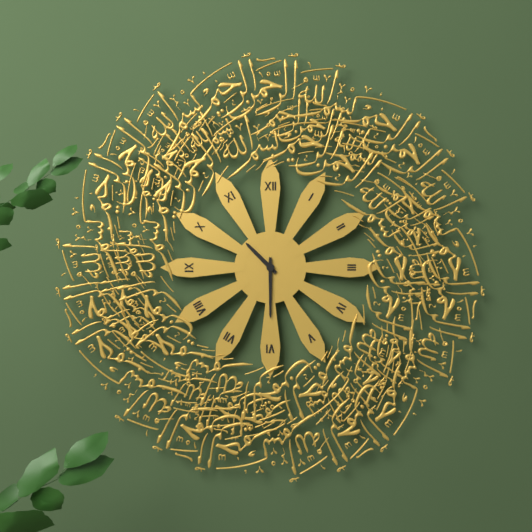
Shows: **10:30**
